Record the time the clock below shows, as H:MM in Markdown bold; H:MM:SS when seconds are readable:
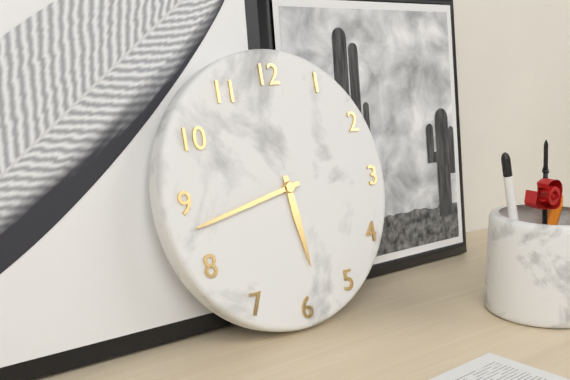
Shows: **5:43**
